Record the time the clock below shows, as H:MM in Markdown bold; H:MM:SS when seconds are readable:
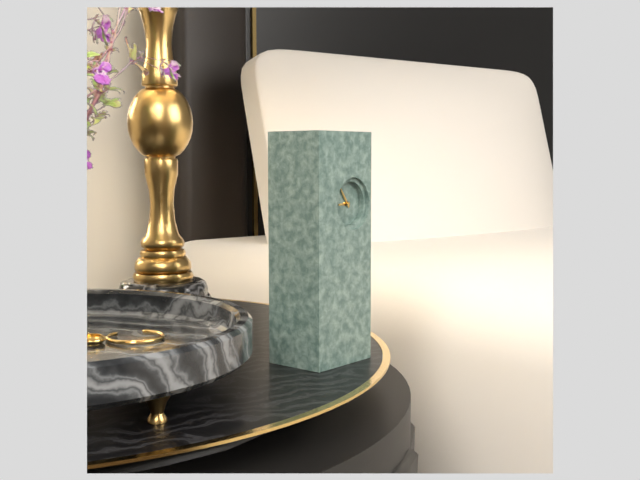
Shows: **8:54**
